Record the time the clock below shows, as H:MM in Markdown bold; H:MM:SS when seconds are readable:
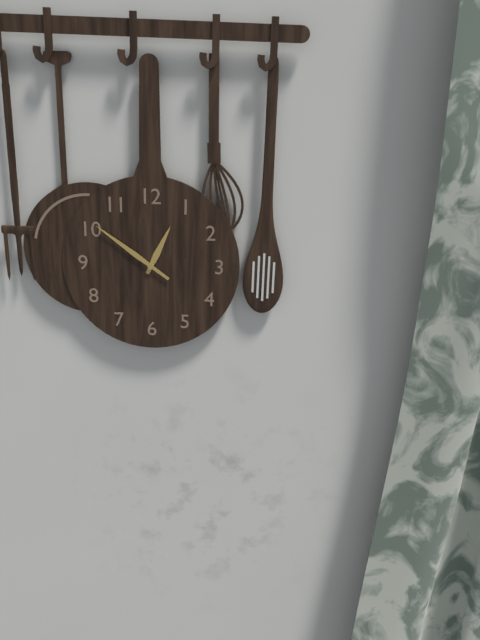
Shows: **12:51**
